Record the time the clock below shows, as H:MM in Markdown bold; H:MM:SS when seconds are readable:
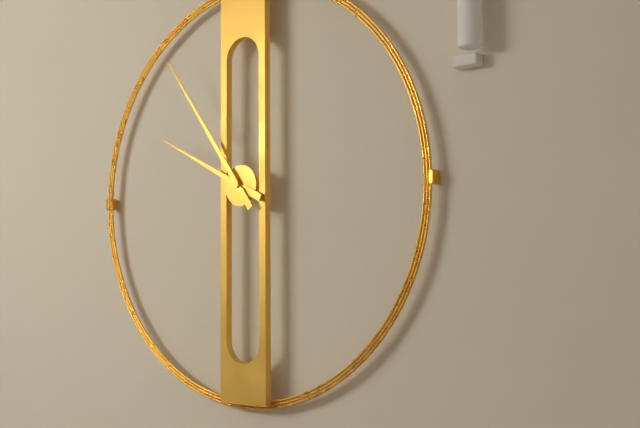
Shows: **9:54**
